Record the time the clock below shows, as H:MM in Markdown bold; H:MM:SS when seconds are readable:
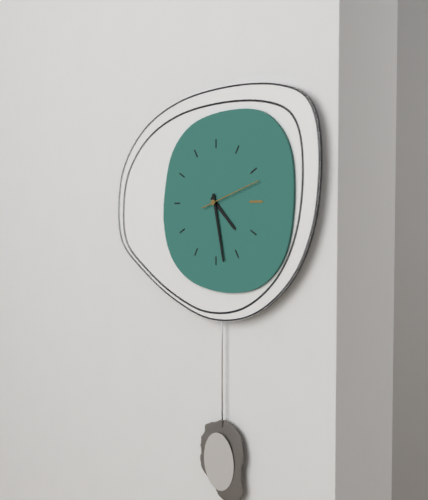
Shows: **4:28:12**
